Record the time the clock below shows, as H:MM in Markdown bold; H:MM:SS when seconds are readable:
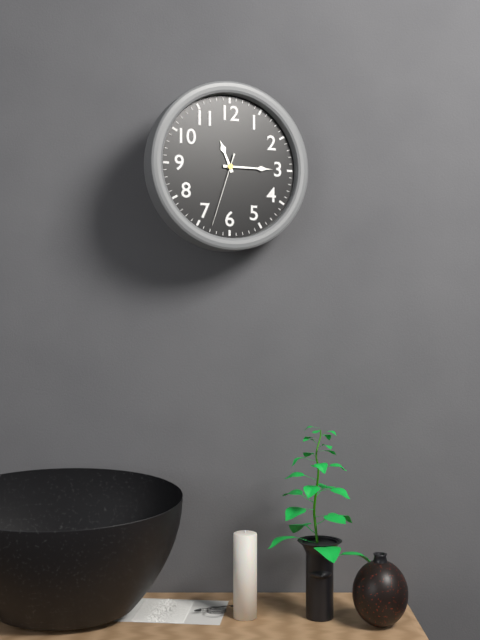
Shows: **11:15:33**
